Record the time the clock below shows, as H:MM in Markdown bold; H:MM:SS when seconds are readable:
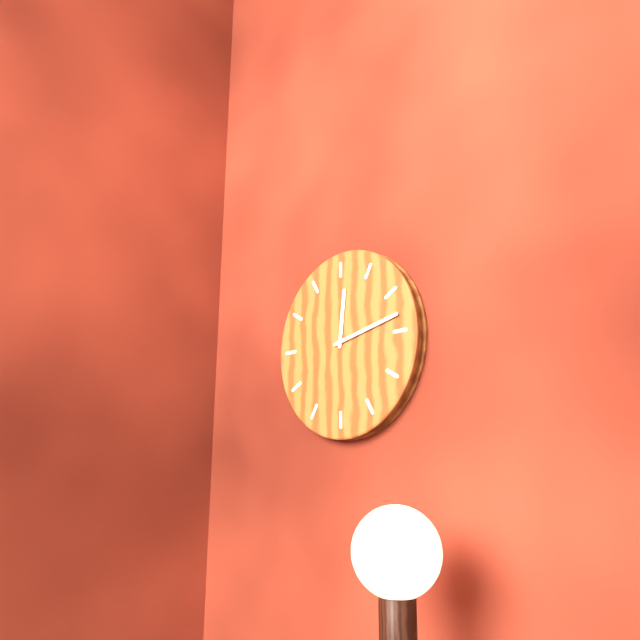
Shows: **12:13**
